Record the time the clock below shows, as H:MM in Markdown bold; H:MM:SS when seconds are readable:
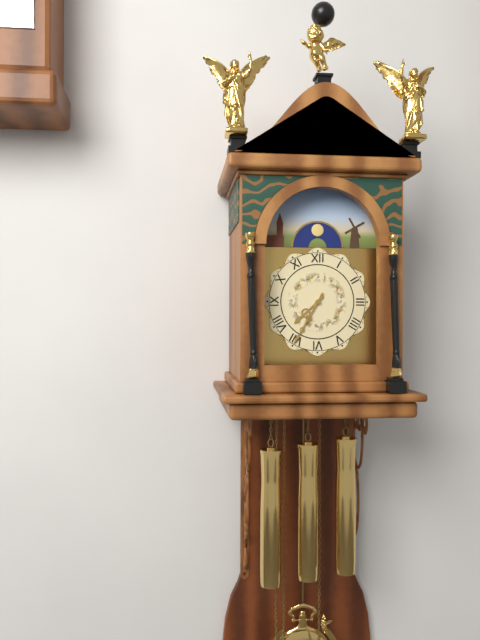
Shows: **7:35**
